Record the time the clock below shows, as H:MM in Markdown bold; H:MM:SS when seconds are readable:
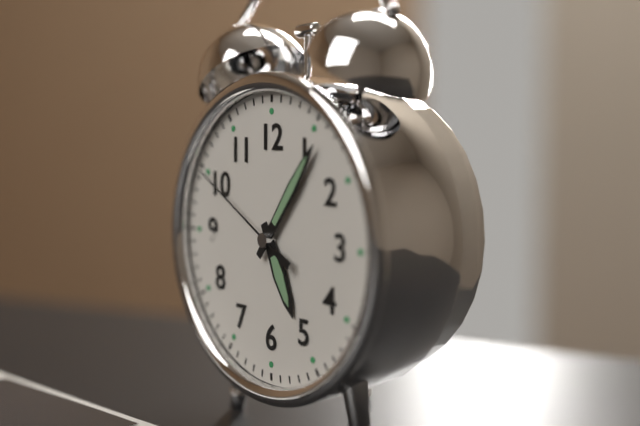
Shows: **5:06:50**
